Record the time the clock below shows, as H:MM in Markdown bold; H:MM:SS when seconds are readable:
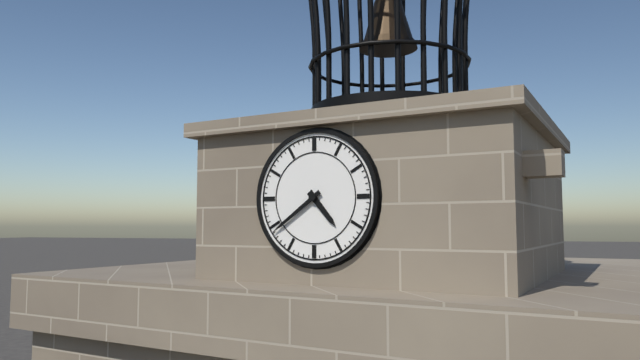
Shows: **4:39**
